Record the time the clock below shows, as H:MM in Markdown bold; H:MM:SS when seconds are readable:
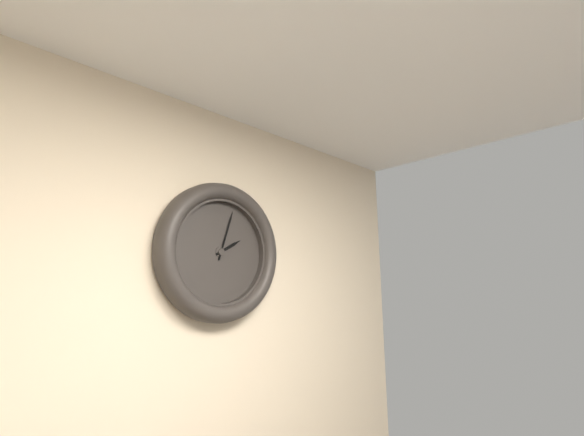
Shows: **2:03**
